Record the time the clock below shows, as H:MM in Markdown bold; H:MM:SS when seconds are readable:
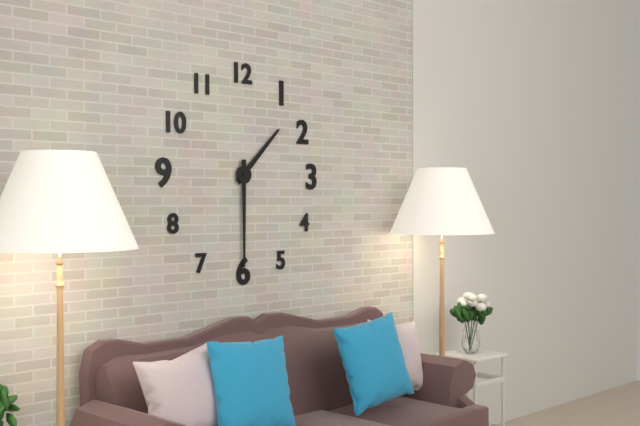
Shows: **1:30**
